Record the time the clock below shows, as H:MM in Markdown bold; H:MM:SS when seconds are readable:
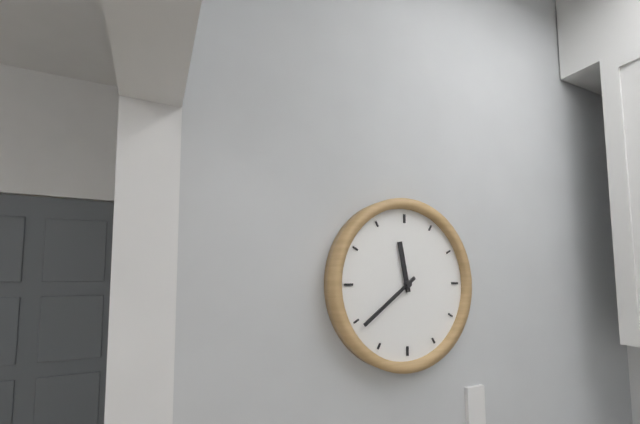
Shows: **11:39**
